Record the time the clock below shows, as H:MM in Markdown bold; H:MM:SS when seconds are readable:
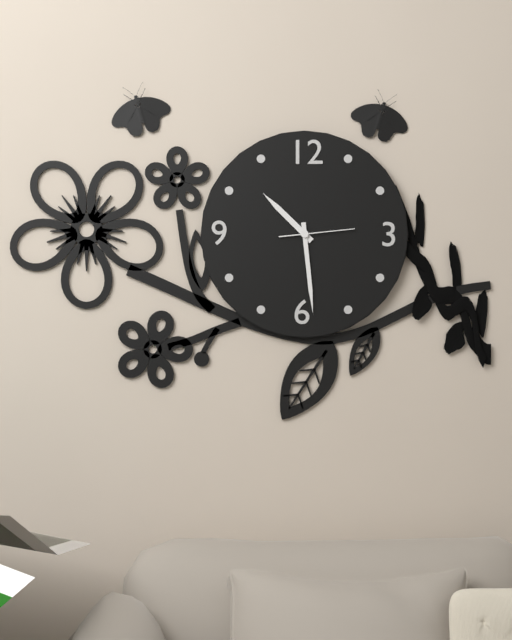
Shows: **10:29:14**
